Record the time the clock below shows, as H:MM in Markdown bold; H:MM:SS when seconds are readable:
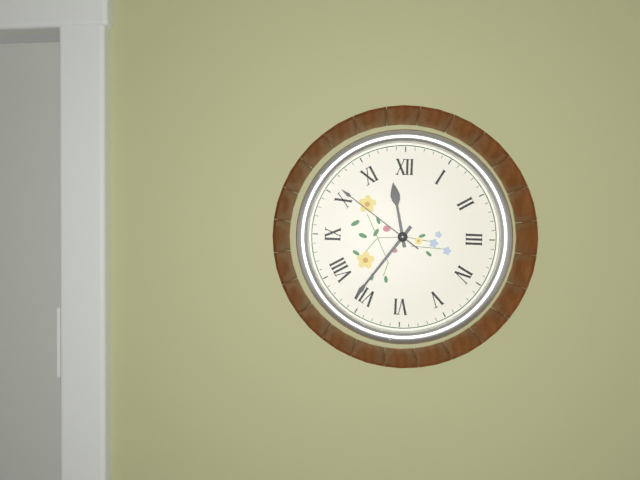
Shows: **11:36:51**
